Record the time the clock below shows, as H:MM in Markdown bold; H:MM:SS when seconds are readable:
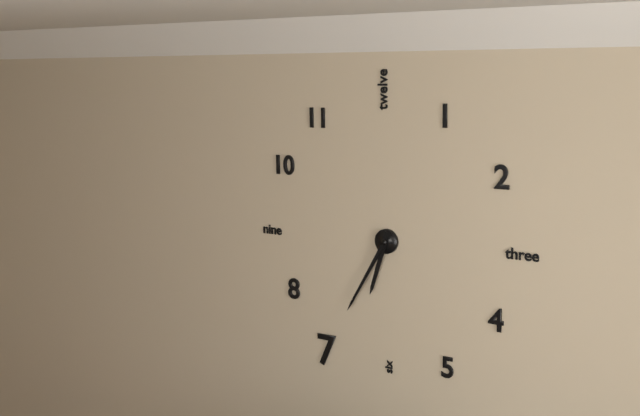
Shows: **6:35**
